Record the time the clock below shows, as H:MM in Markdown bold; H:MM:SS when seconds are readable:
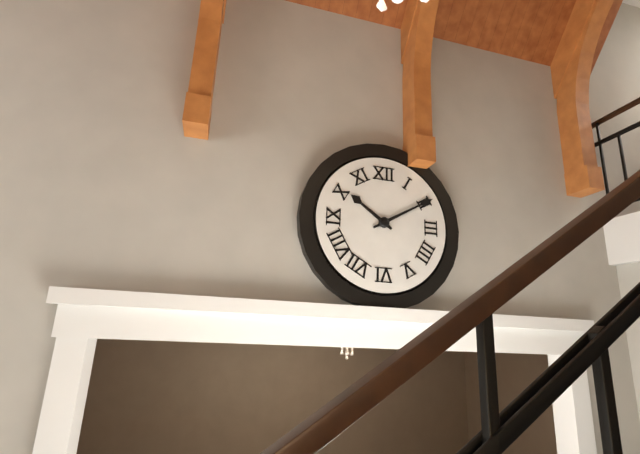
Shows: **10:10**
